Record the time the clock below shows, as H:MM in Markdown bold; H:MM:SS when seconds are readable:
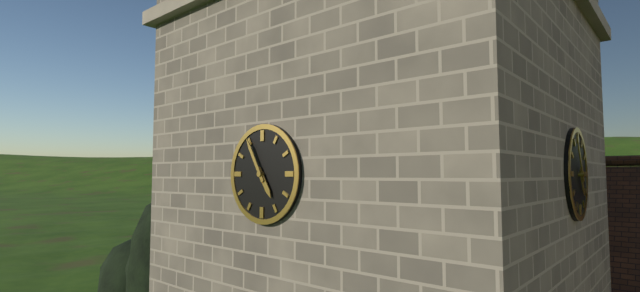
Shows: **4:55**
